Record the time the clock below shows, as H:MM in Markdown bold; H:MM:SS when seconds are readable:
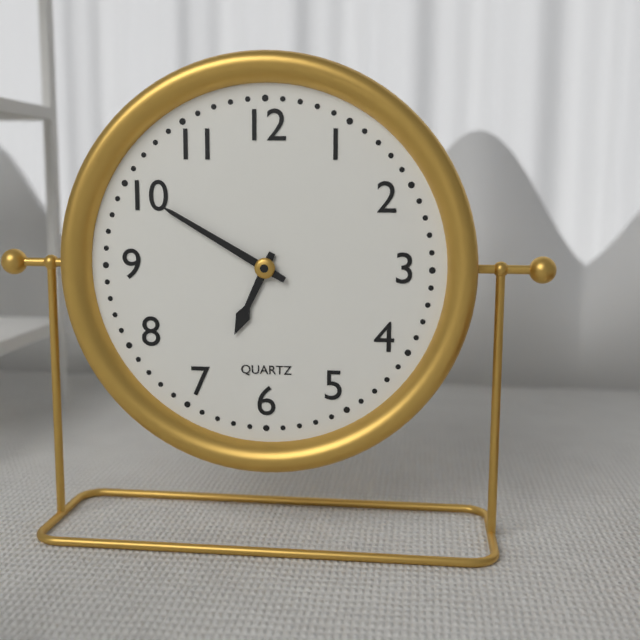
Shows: **6:50**
